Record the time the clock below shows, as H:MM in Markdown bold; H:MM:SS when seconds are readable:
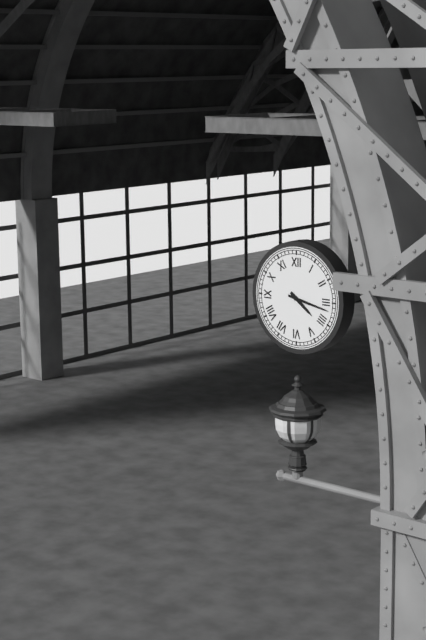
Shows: **4:17**
